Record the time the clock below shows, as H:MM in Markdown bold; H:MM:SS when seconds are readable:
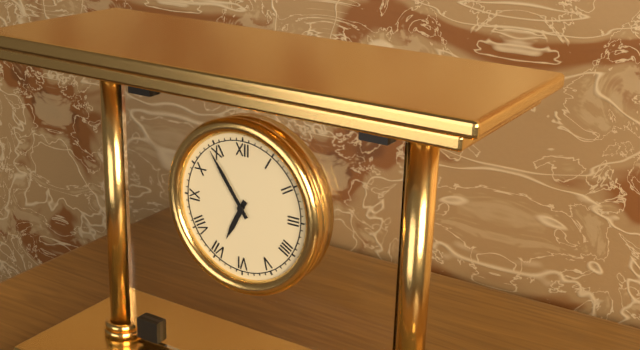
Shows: **6:54**
